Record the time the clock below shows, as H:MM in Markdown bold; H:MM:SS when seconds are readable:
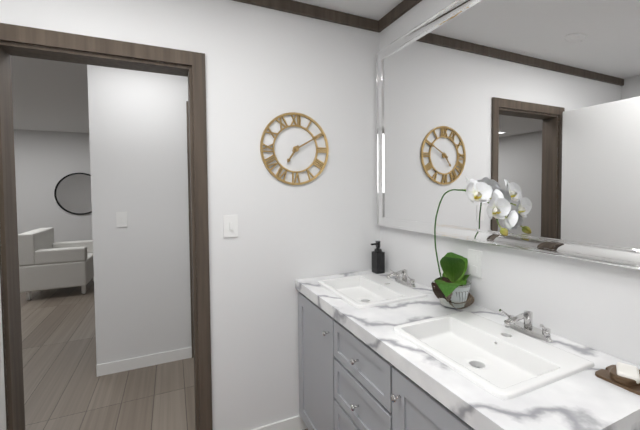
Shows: **7:10**
